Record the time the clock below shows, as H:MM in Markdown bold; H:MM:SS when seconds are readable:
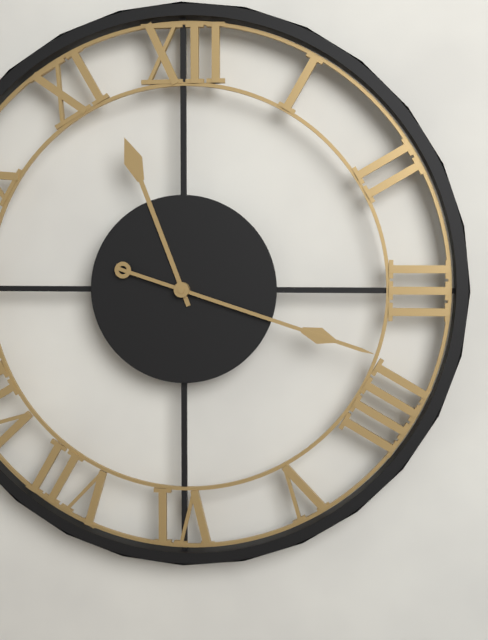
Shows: **11:18**
